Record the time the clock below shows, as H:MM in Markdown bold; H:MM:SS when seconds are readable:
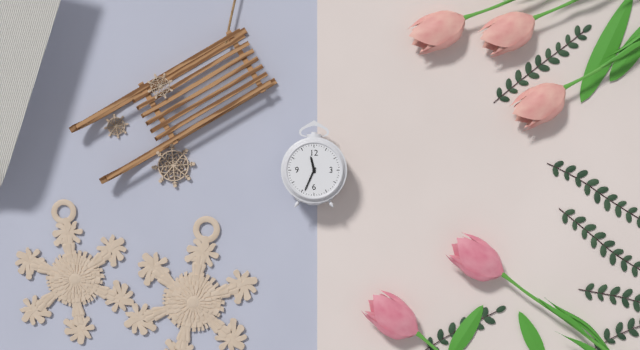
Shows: **11:34**
